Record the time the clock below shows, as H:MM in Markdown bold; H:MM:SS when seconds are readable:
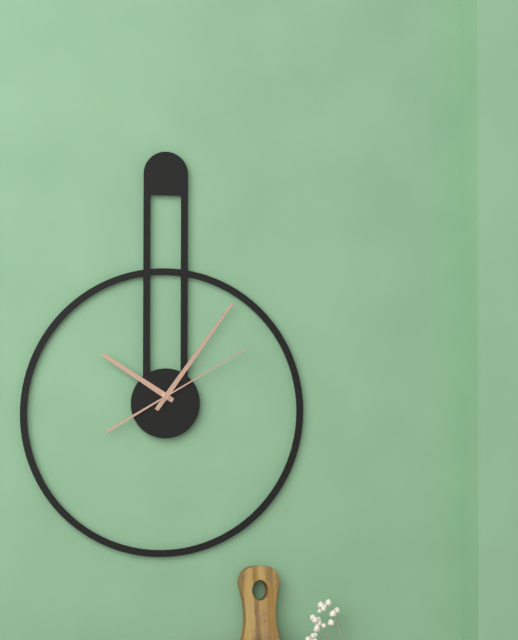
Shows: **10:06:10**
